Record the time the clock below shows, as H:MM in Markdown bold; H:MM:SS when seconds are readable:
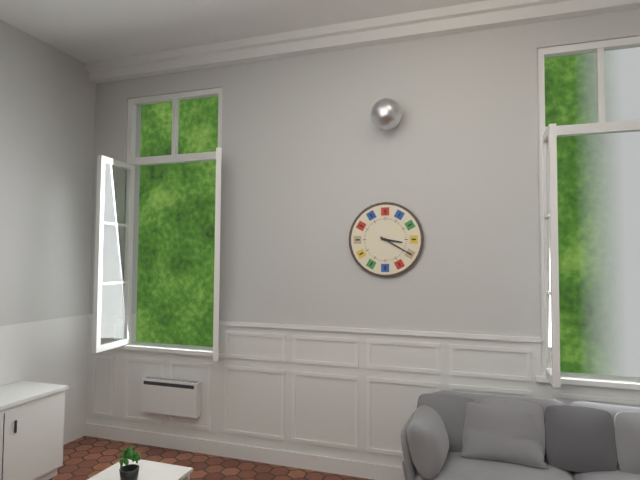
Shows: **3:20**
